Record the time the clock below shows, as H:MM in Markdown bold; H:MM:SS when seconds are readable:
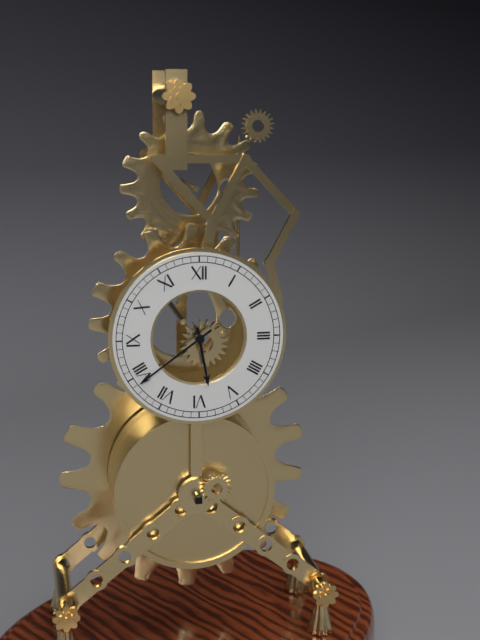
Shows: **5:39**
